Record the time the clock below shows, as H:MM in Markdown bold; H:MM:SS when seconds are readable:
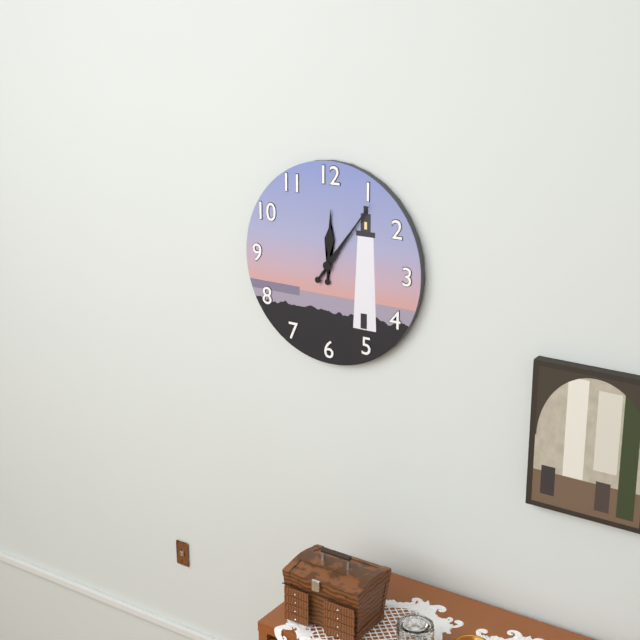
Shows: **12:06**
